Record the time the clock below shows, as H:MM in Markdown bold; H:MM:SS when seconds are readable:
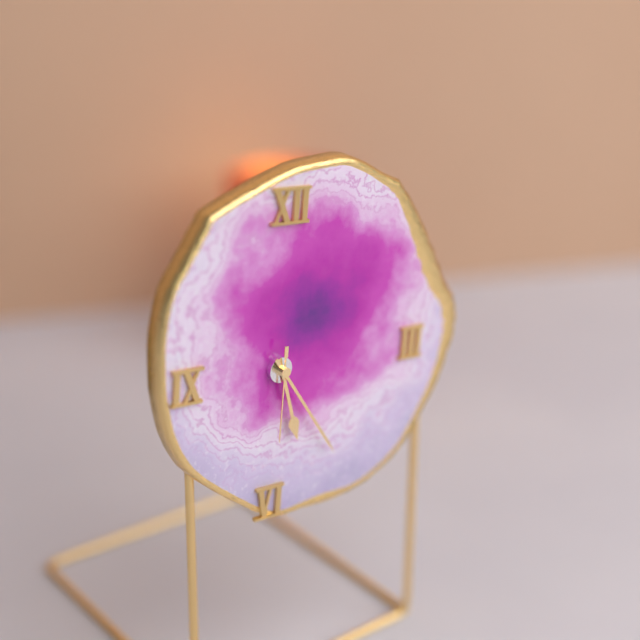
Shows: **5:24:30**
